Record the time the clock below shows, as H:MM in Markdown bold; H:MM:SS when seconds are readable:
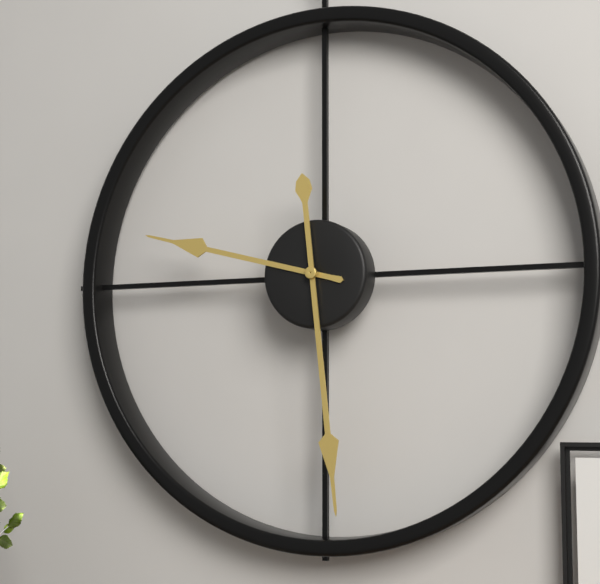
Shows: **9:29**
